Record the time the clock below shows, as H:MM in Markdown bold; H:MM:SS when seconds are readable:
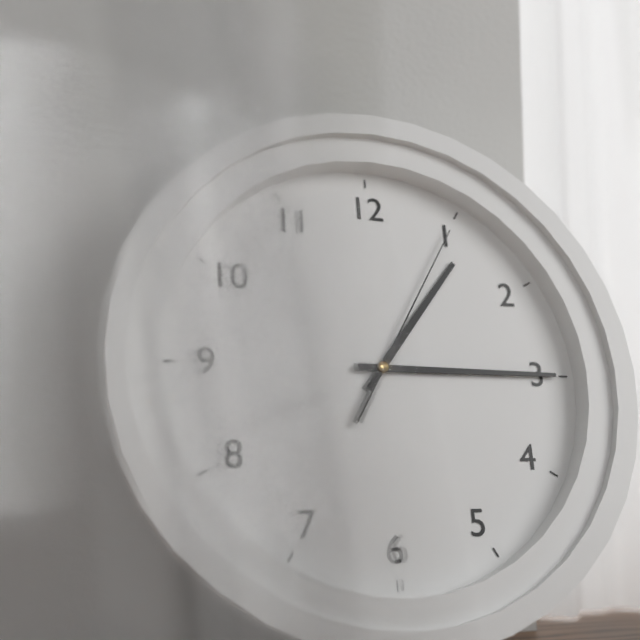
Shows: **1:15:05**
